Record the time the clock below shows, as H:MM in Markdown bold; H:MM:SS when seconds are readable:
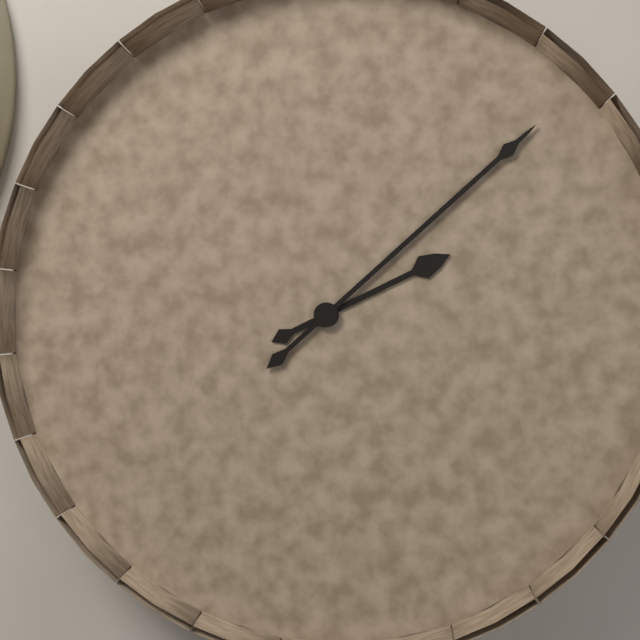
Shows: **2:08**
